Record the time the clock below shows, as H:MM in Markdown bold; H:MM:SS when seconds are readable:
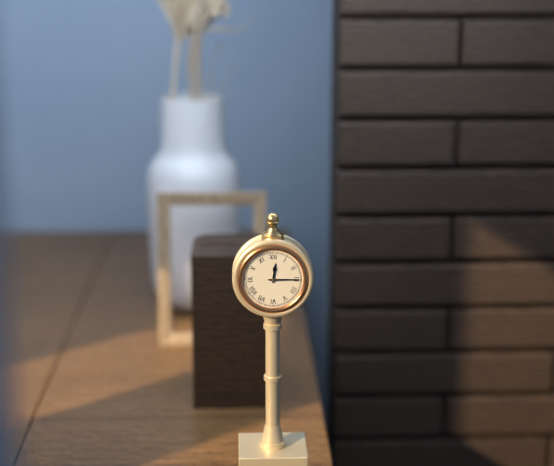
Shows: **12:15**
